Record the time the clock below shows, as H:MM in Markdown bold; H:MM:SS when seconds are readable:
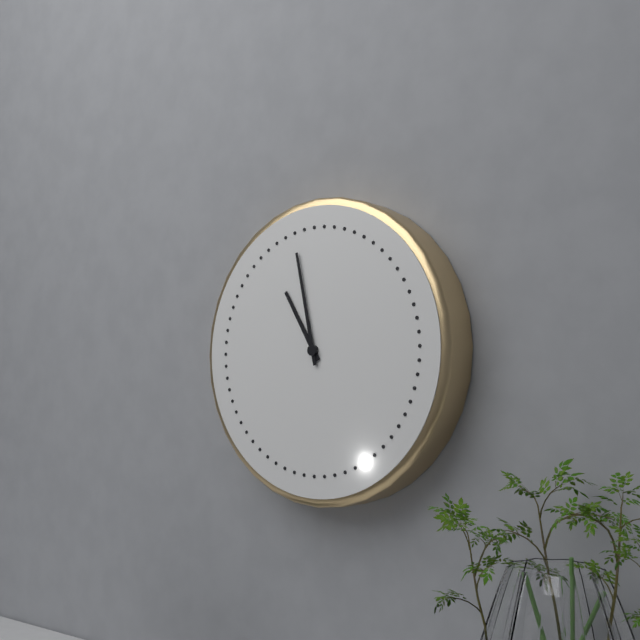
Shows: **10:58**
